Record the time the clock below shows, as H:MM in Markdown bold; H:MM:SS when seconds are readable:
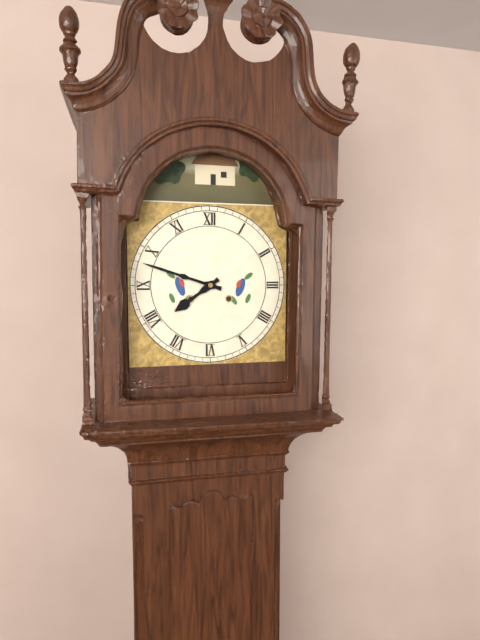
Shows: **7:48**
